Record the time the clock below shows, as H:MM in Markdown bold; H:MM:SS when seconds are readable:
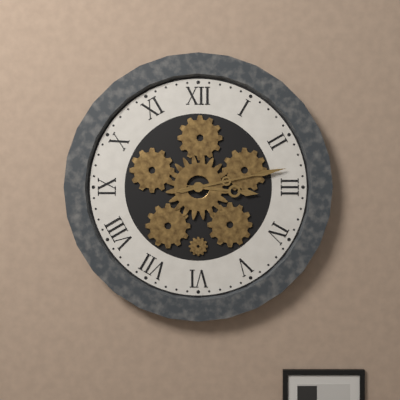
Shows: **3:13**
